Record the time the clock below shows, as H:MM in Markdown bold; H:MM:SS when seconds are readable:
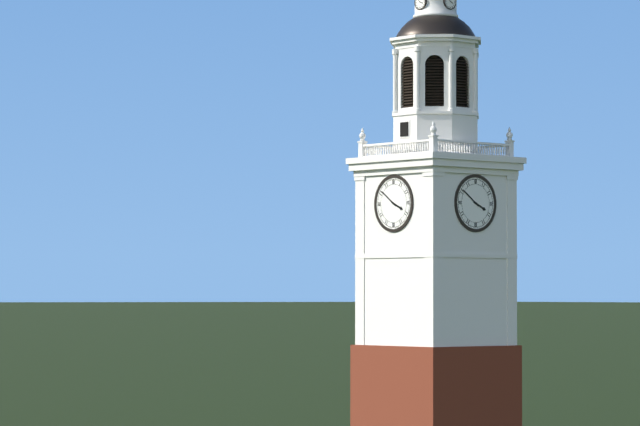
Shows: **3:51**
